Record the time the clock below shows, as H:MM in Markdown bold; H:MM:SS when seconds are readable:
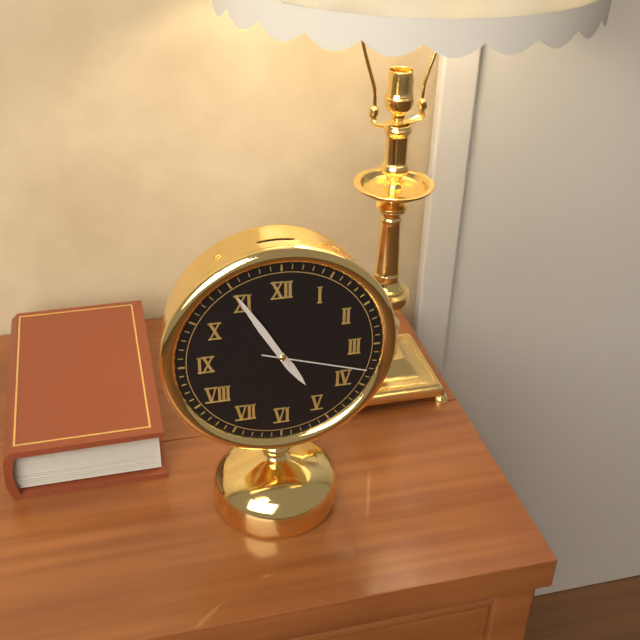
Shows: **4:55:18**
